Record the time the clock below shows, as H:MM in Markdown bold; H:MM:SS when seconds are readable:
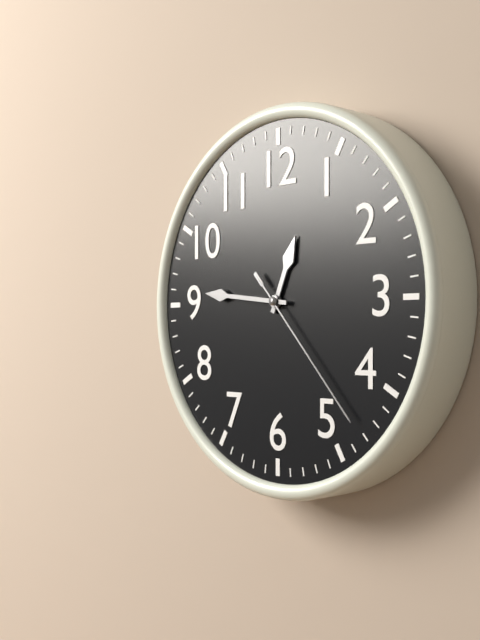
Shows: **12:46:23**
